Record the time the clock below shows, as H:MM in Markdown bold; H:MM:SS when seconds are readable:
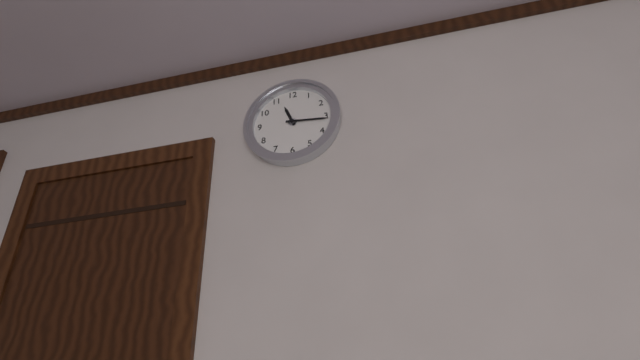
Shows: **11:16**
